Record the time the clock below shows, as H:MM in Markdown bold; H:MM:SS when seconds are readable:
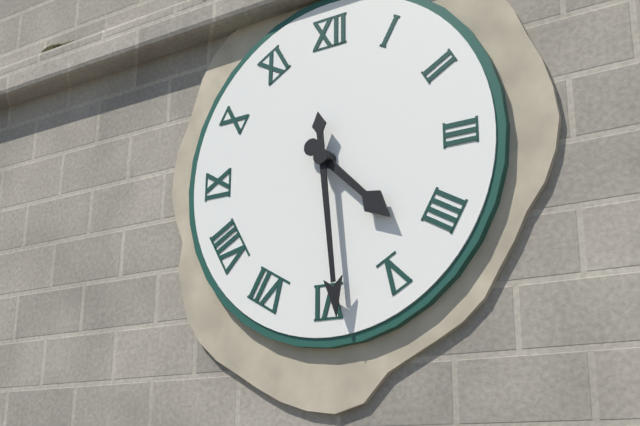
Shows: **4:29**
